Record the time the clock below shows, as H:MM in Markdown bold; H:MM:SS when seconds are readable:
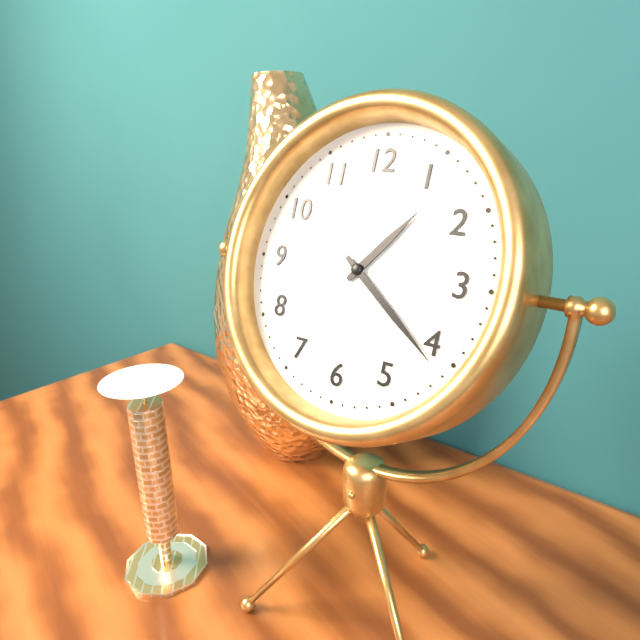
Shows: **1:21**
